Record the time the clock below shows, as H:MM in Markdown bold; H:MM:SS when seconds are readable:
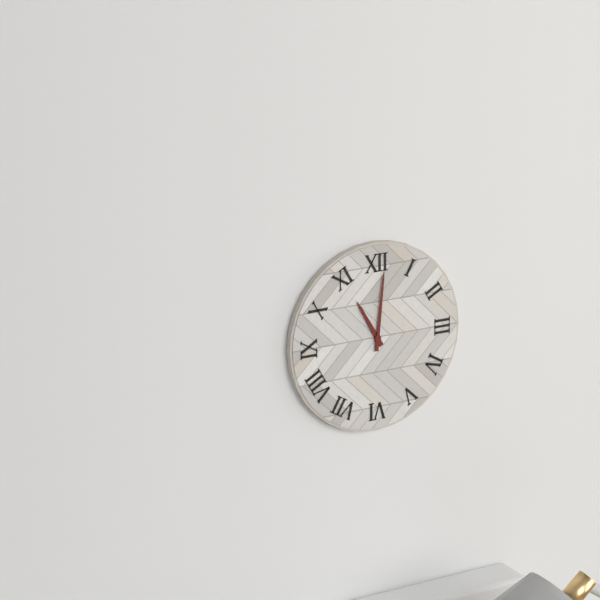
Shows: **11:01**
